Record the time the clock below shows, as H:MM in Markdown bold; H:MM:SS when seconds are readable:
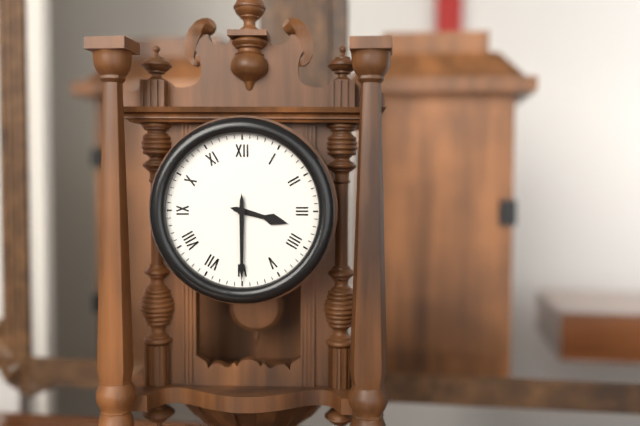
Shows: **3:30**
